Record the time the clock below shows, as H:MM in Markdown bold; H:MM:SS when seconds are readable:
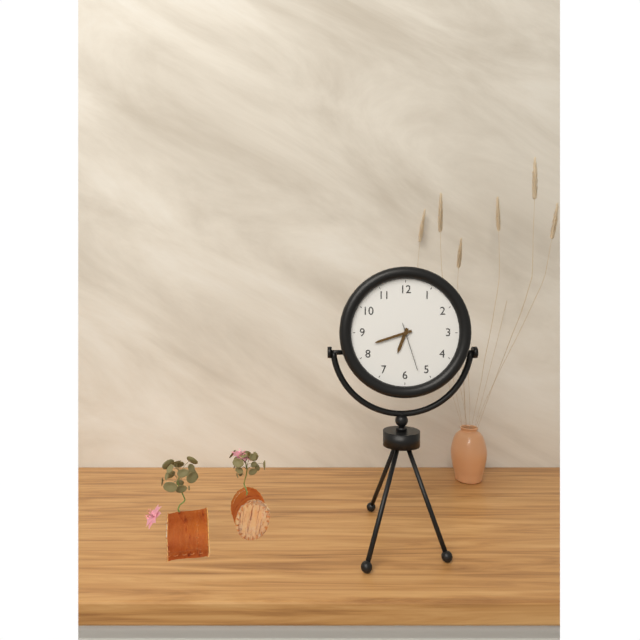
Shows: **6:42**
